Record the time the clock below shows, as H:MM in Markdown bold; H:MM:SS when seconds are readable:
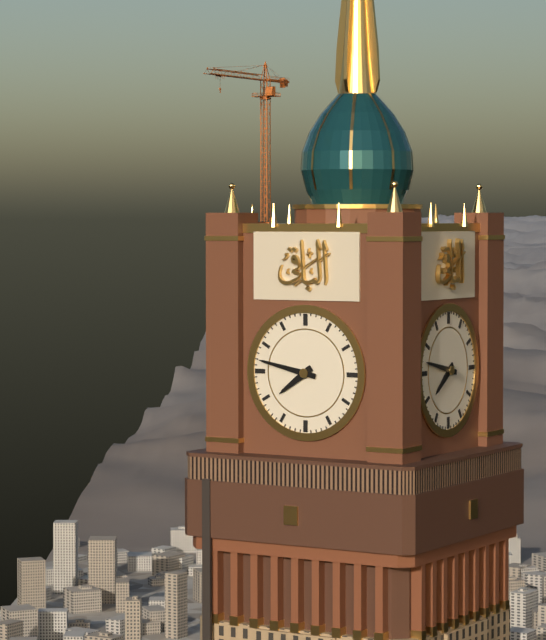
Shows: **7:47**
